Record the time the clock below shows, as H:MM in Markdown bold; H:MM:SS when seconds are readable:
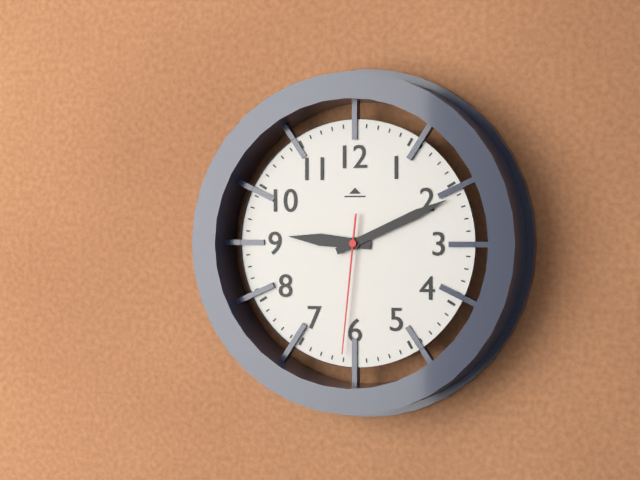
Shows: **9:11:31**
